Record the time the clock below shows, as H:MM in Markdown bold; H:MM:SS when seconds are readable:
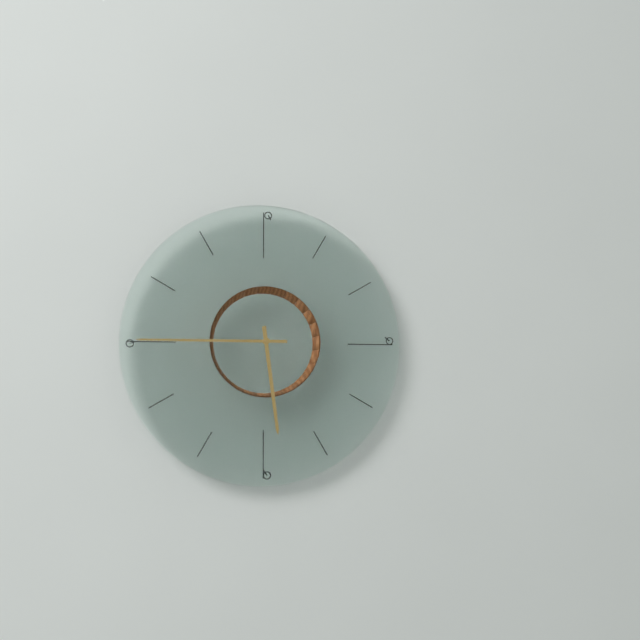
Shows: **5:45**
